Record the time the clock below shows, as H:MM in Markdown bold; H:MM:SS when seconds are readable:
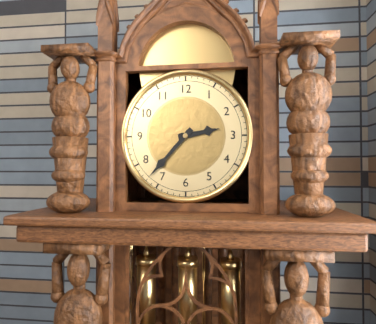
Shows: **2:37**
